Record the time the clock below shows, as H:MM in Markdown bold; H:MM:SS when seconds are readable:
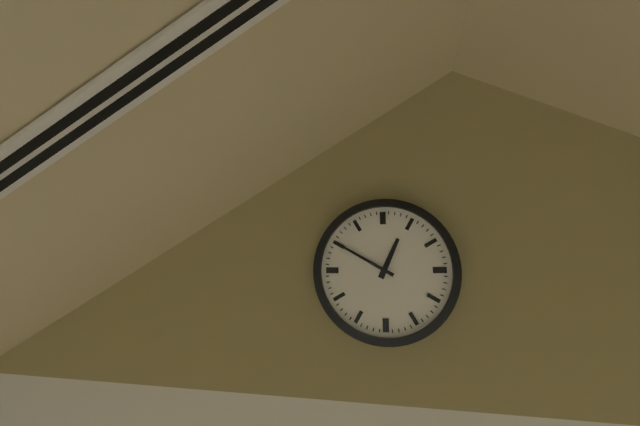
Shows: **12:50**
